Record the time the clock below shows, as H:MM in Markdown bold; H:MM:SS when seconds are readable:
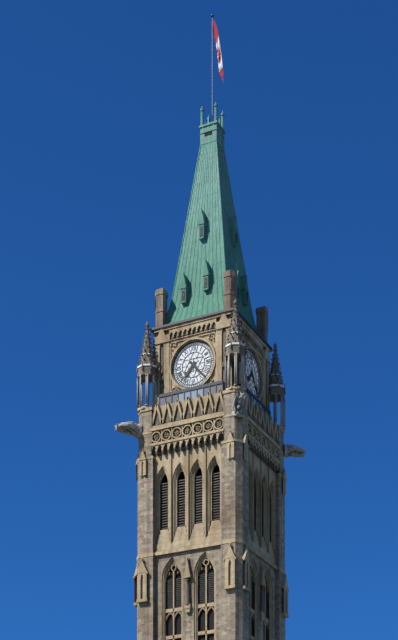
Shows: **7:23**
